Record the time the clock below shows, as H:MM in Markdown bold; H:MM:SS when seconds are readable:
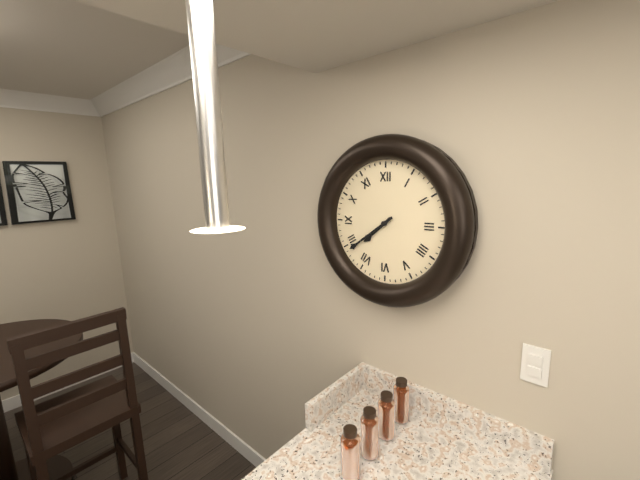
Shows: **7:39**
